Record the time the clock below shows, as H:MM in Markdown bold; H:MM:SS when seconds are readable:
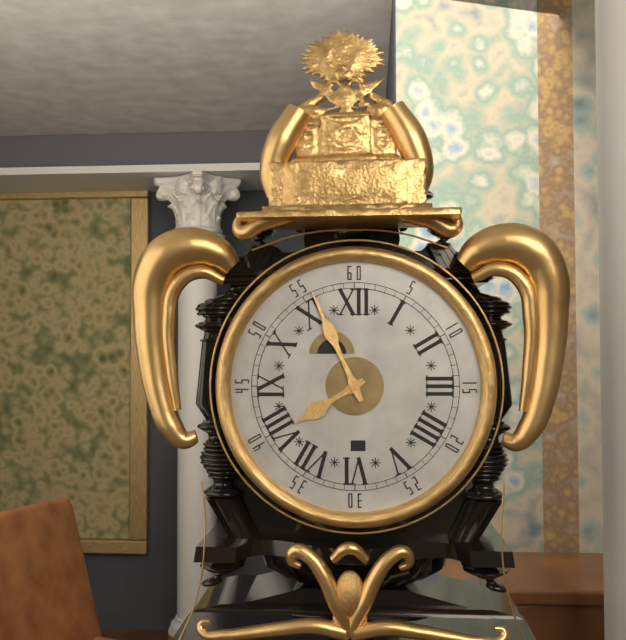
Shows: **7:56**
